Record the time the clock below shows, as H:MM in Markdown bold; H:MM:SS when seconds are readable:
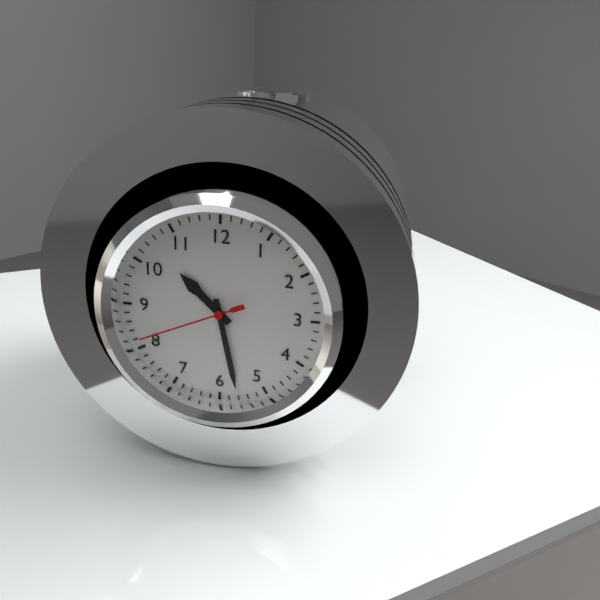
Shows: **10:28:41**
